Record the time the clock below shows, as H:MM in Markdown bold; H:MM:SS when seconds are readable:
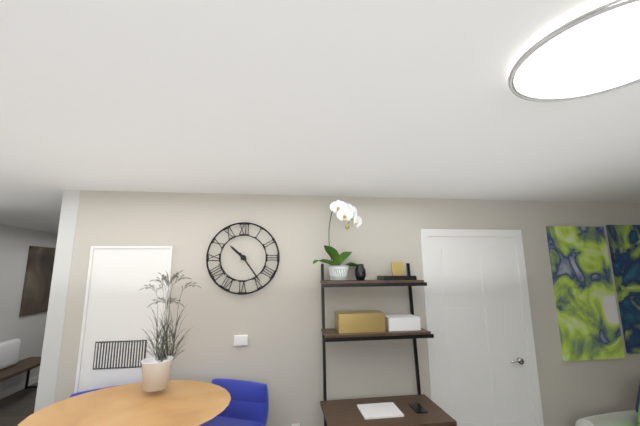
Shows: **10:24**
